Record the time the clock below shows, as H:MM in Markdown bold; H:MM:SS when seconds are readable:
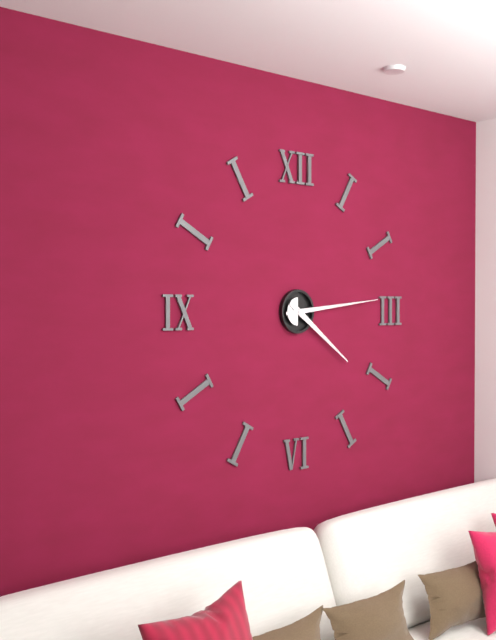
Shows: **4:14**
